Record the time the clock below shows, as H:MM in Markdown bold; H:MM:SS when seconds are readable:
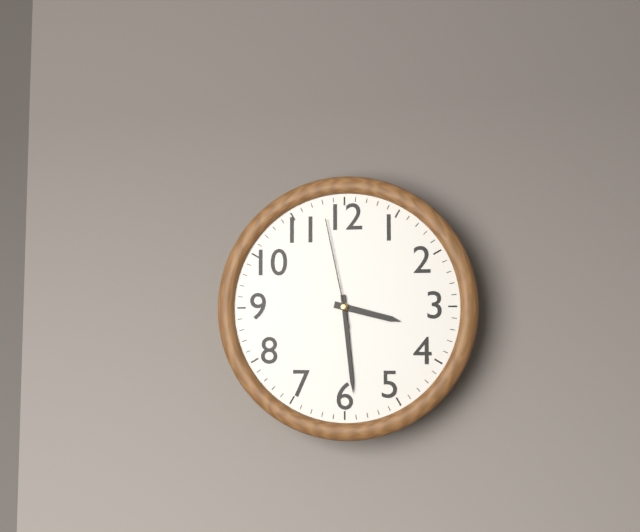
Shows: **3:29:58**
